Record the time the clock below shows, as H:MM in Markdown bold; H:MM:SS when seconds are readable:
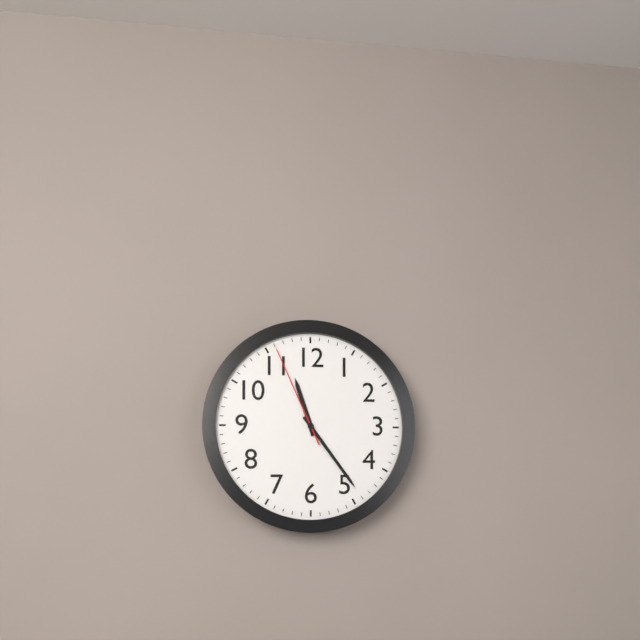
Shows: **11:24:56**
